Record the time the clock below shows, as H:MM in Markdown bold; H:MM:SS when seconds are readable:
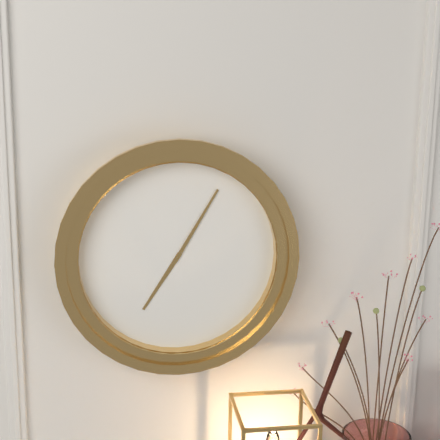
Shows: **7:05**
